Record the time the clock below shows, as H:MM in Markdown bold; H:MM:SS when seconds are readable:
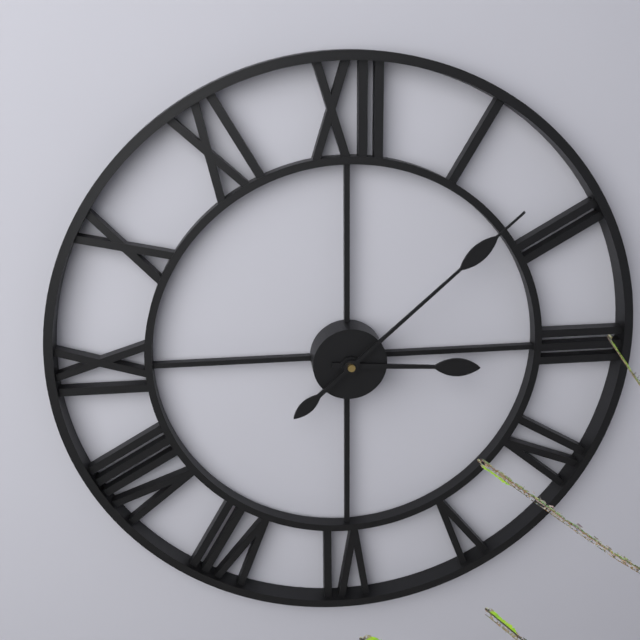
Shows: **3:08**
